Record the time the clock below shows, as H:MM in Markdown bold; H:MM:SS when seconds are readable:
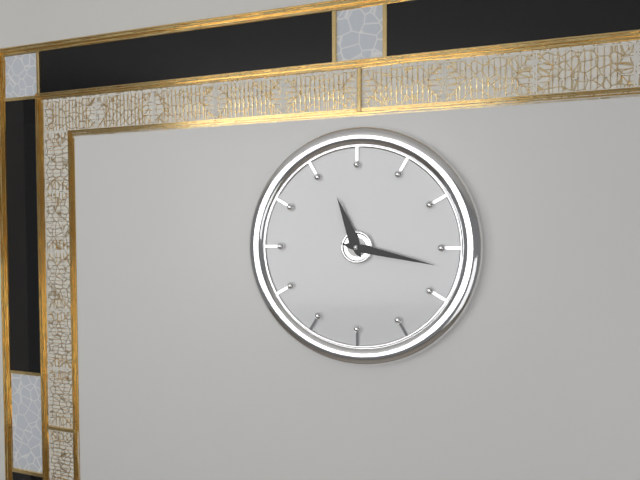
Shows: **11:17**
